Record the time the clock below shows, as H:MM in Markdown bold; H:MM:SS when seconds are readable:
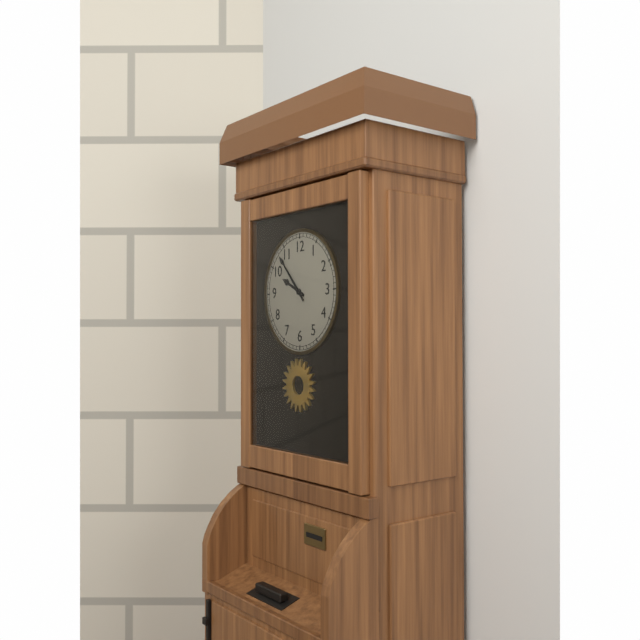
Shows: **9:53**
